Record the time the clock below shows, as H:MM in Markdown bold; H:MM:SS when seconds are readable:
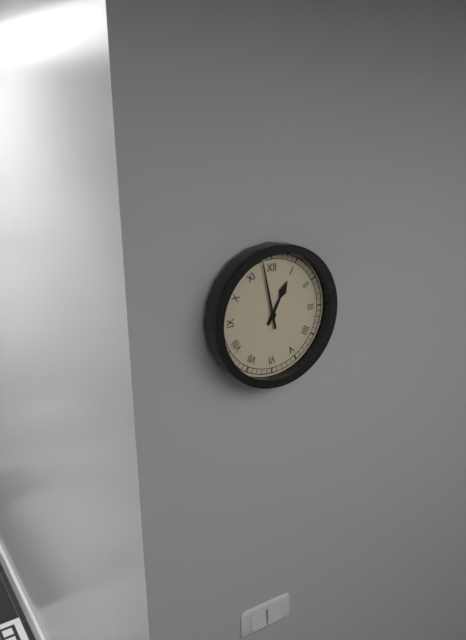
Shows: **12:58**
